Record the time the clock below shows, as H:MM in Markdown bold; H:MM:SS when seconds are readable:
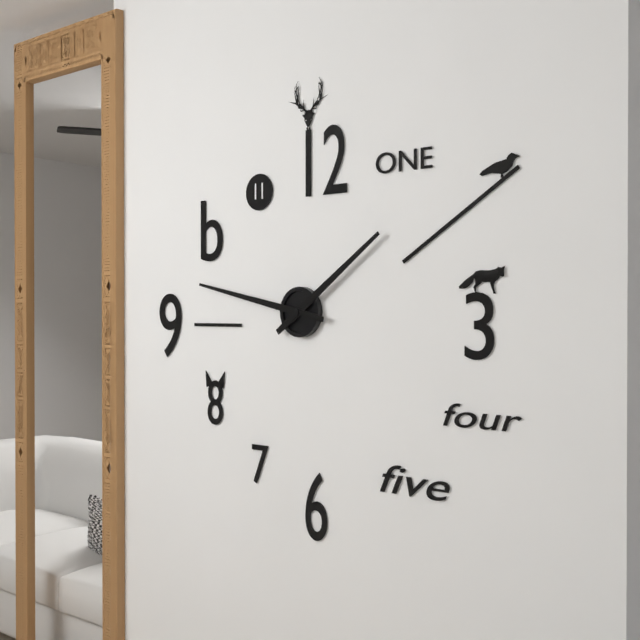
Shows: **1:47**
